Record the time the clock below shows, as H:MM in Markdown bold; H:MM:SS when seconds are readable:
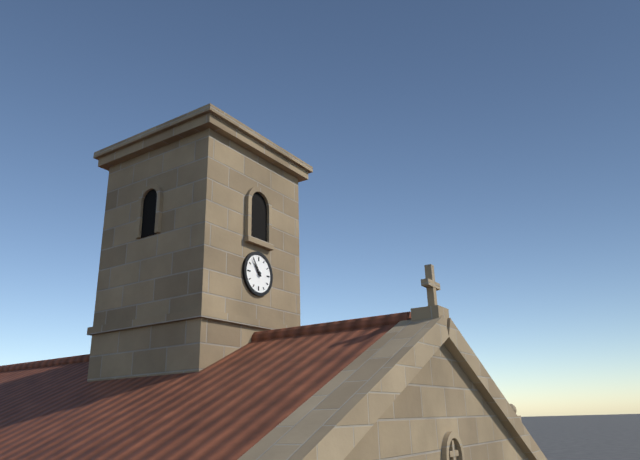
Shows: **10:54**
